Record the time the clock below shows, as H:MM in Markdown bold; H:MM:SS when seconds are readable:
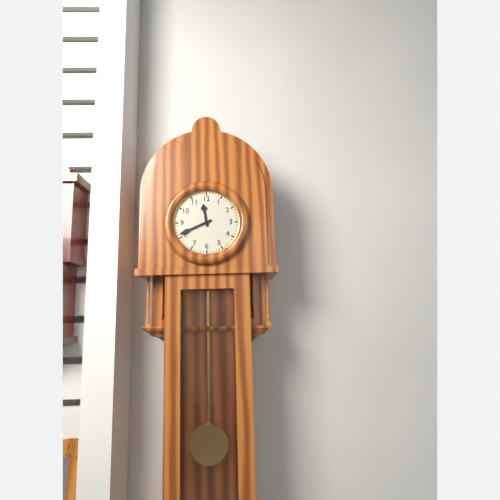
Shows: **11:41**
